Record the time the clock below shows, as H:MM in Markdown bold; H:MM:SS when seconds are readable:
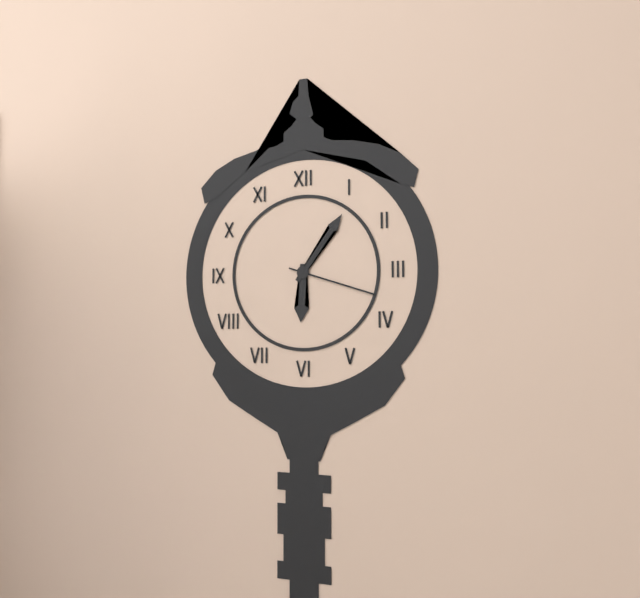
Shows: **6:06:18**
